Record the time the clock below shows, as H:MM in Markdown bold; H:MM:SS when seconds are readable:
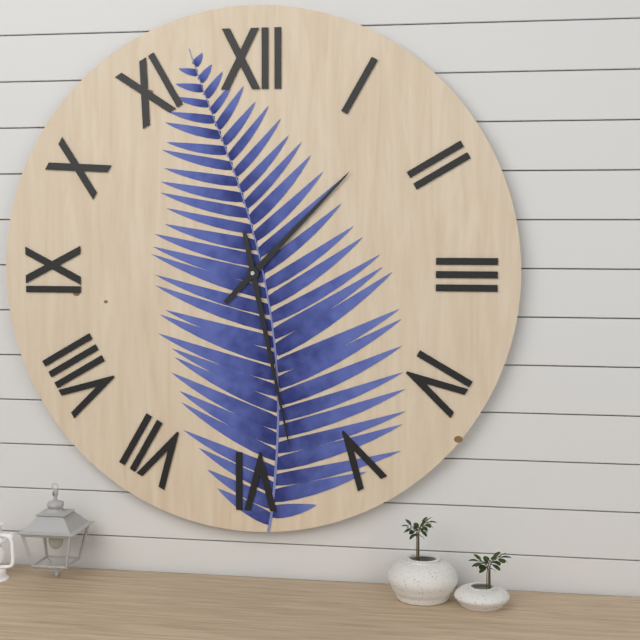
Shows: **1:28**
